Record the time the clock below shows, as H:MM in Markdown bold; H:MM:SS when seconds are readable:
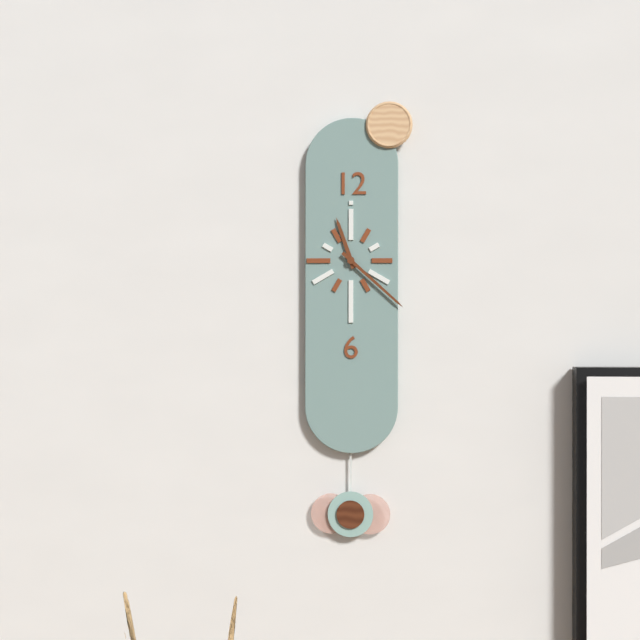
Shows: **11:22**
